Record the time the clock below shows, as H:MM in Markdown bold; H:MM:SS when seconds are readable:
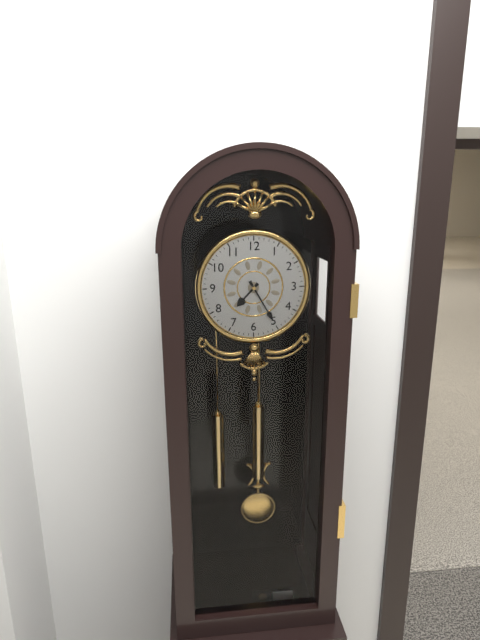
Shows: **7:25**
